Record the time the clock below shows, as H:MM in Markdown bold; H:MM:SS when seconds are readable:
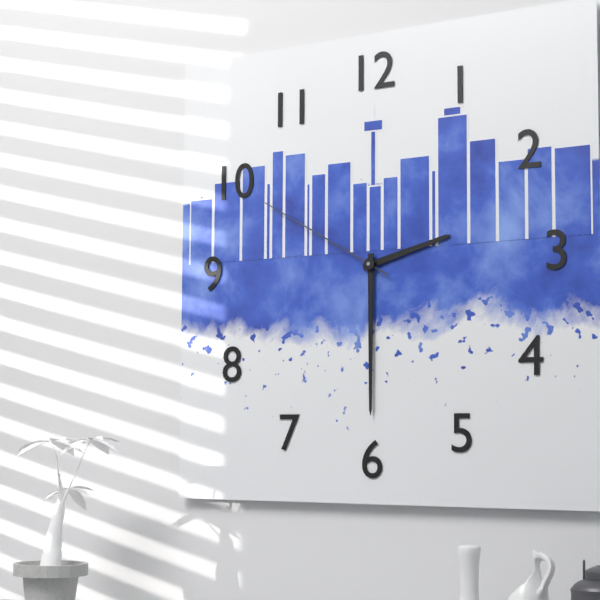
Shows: **2:30:50**
